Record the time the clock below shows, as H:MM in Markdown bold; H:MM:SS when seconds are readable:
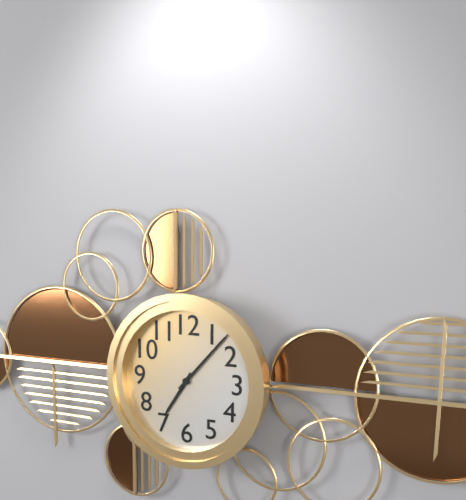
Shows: **7:07**
